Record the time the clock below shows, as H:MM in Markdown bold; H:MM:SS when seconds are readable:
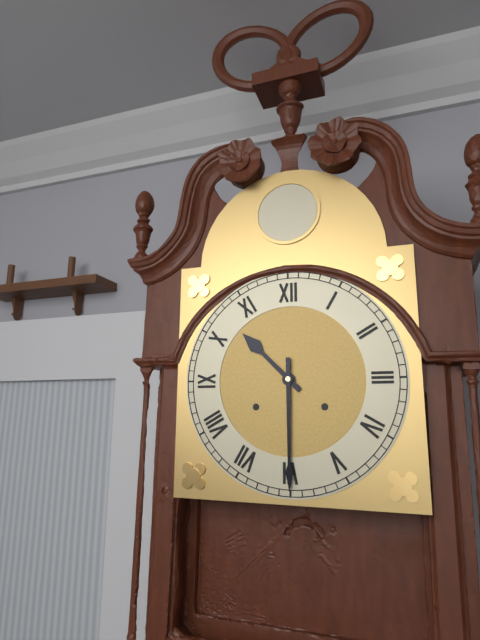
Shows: **10:30**
